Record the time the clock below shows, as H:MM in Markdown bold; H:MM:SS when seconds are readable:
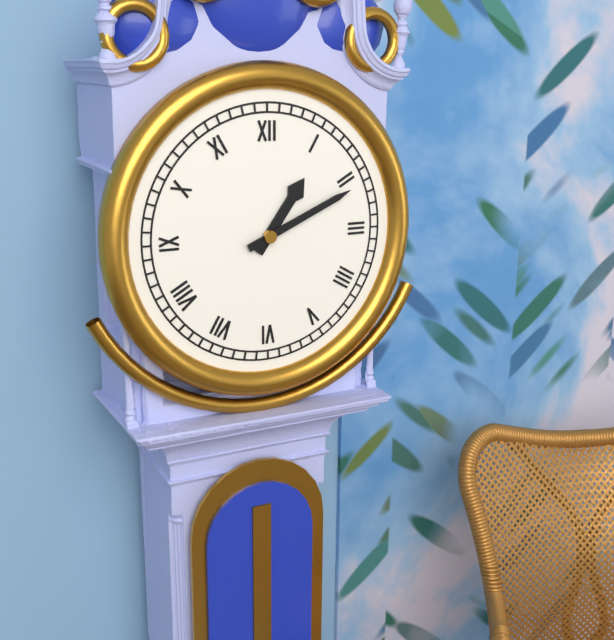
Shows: **1:11**
